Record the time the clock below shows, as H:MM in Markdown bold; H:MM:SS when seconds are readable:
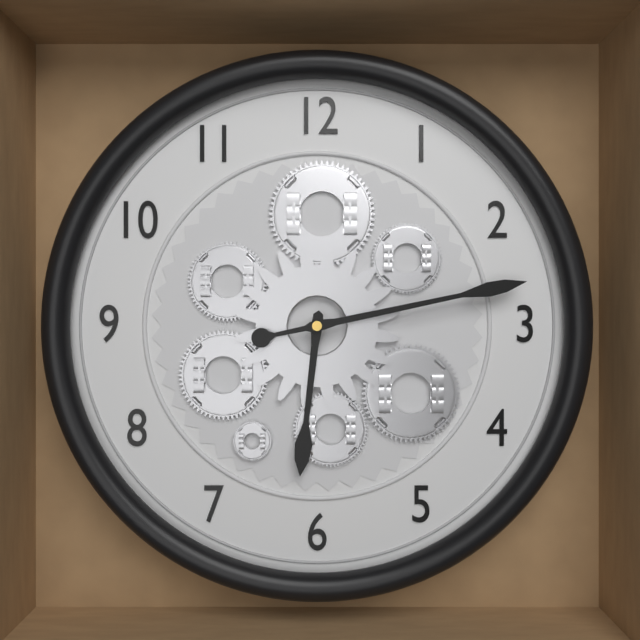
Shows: **6:13**
